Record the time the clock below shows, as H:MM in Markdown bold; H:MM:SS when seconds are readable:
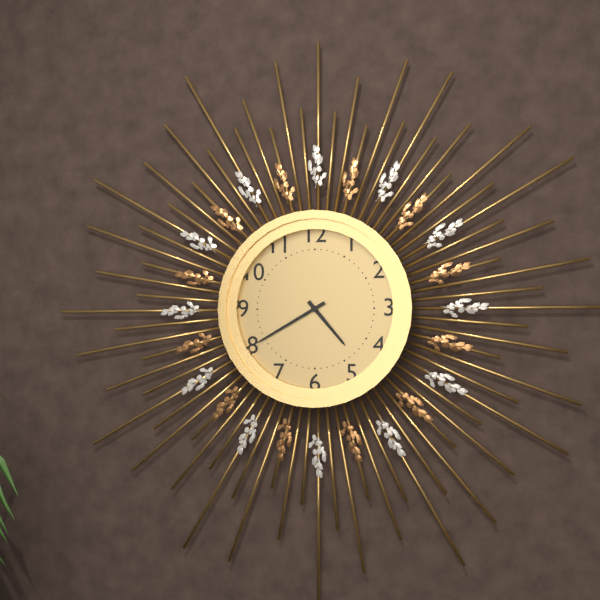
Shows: **4:40**
